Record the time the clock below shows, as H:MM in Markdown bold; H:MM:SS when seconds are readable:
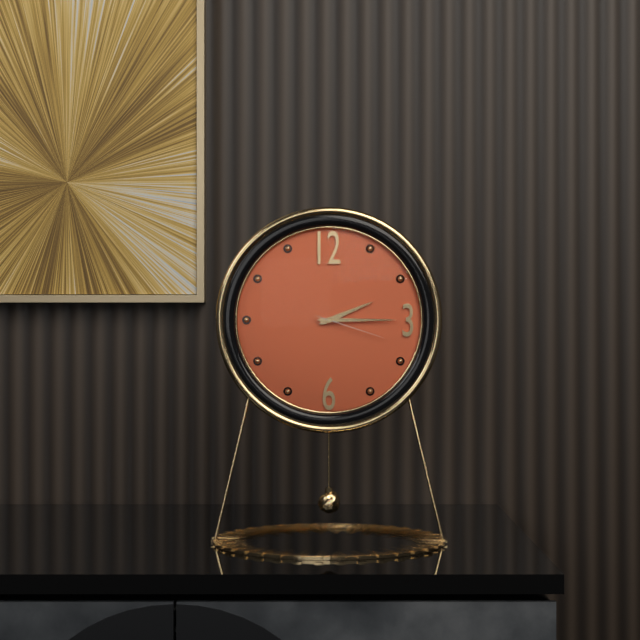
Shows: **2:15:18**
